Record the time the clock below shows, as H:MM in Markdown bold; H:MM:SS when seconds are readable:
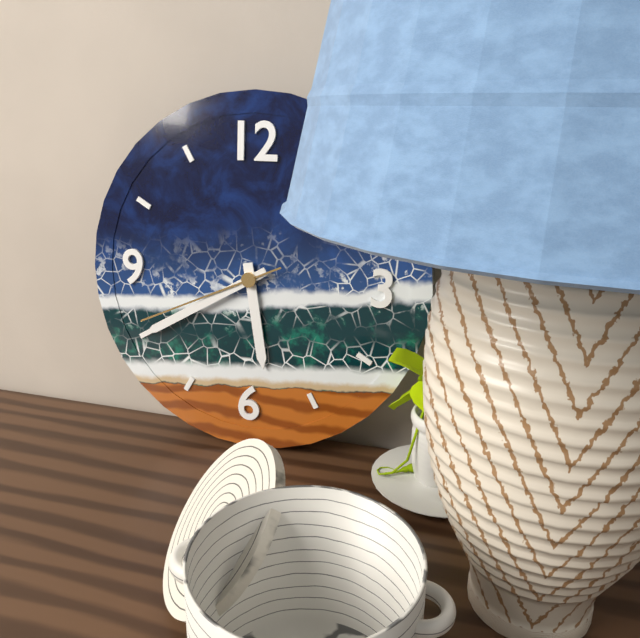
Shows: **5:40:41**
